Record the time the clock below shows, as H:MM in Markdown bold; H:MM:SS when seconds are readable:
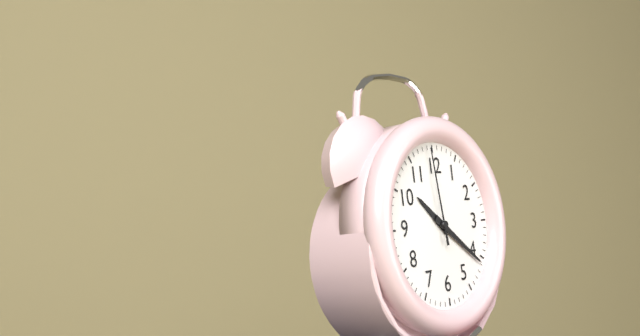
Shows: **10:21:59**
